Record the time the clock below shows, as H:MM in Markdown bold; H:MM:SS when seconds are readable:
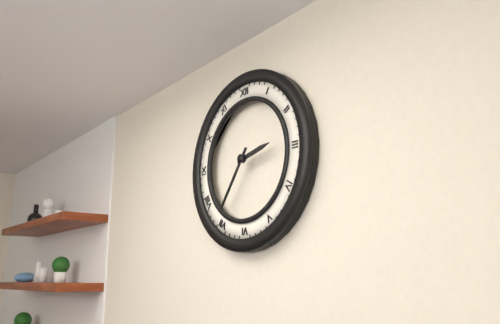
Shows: **2:36**
